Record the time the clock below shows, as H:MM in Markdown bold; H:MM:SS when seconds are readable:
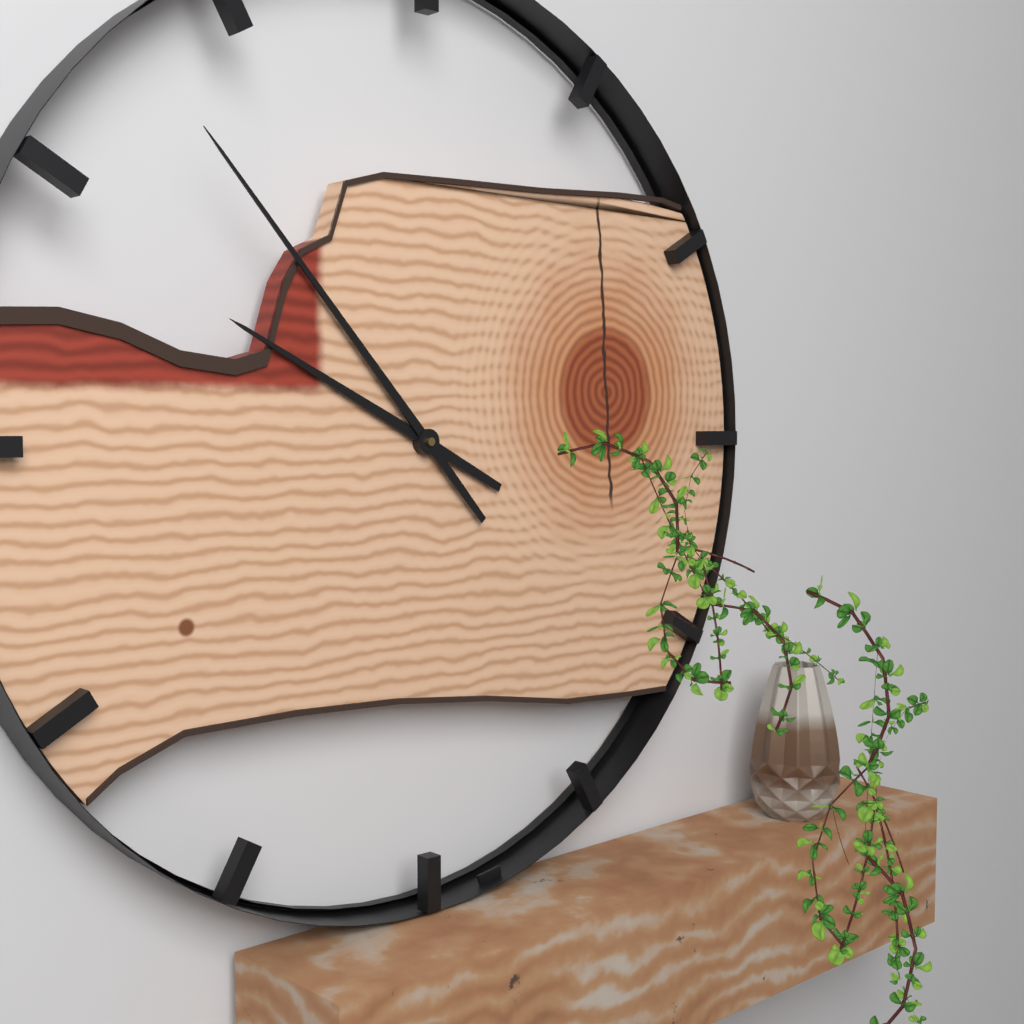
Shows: **9:53**
